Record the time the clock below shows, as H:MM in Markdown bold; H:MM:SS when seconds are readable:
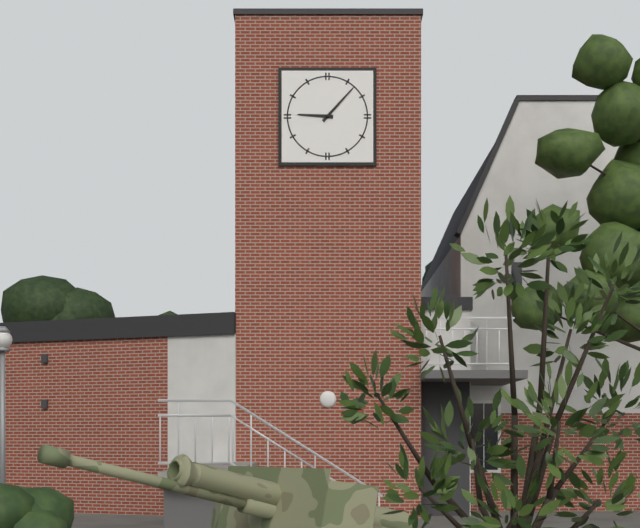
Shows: **9:07**
